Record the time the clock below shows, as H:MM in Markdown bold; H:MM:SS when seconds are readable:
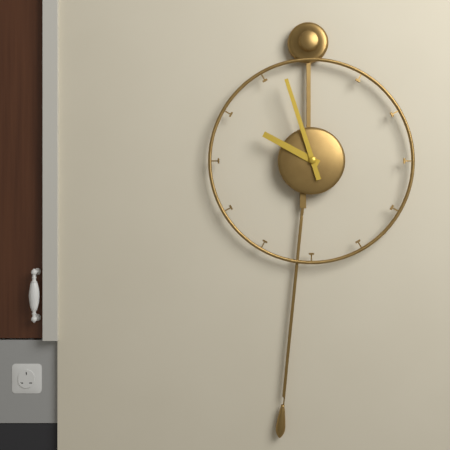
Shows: **9:57**
